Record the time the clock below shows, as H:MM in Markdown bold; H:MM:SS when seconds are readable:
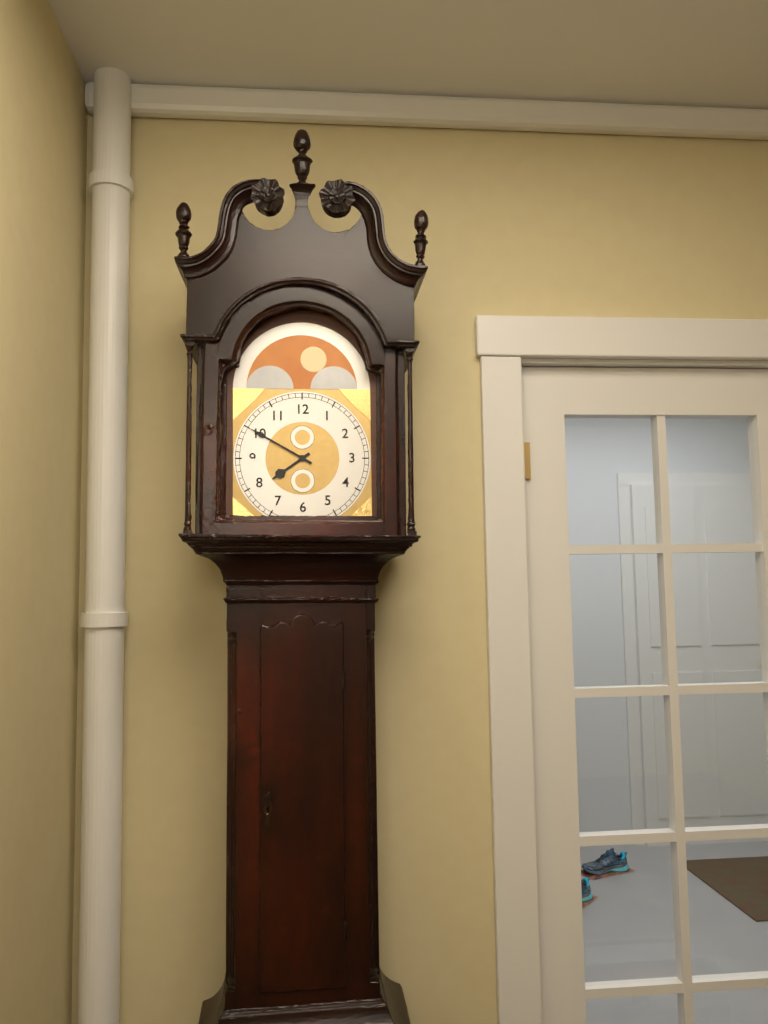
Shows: **7:50**
